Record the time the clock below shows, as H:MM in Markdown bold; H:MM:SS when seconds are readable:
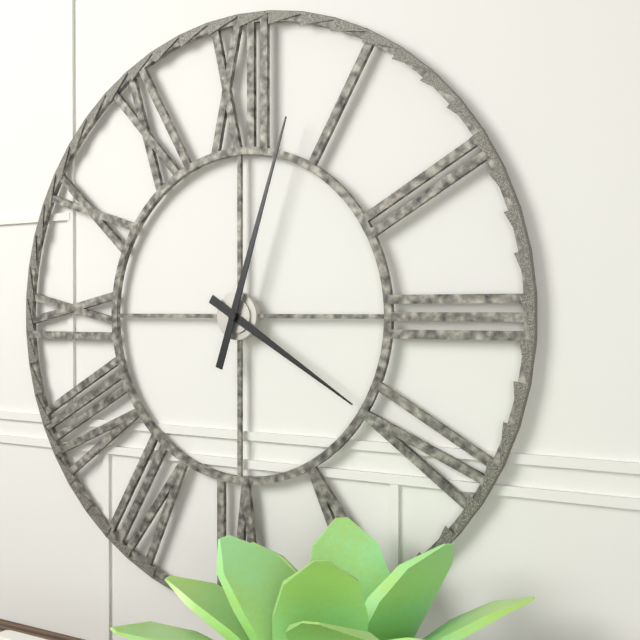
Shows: **4:03**
